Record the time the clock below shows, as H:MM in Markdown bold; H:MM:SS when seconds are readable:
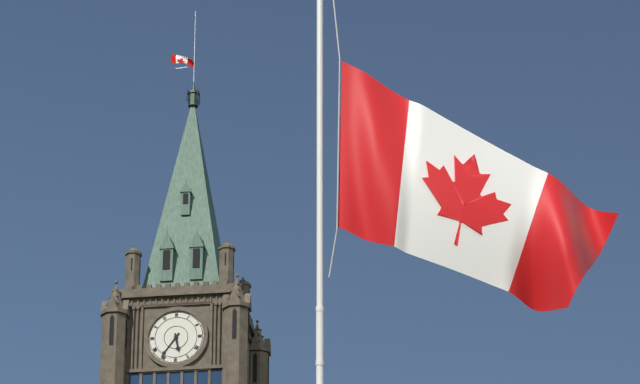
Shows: **5:36**
